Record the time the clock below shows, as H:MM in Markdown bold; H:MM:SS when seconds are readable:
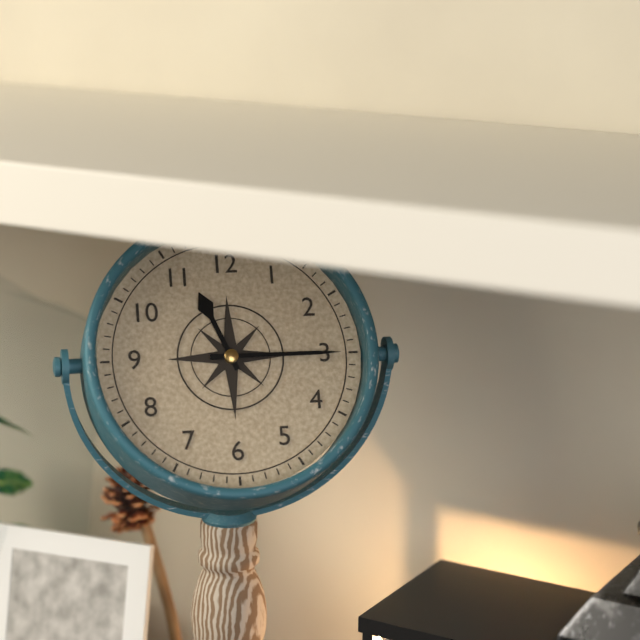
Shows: **11:15**
